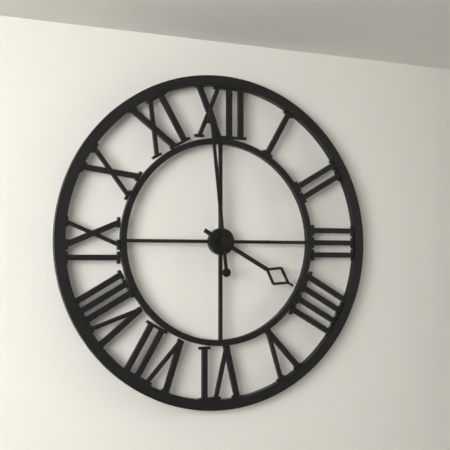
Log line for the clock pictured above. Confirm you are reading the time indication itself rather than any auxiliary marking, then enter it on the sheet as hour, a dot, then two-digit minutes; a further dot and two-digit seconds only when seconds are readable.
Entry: 3.59
